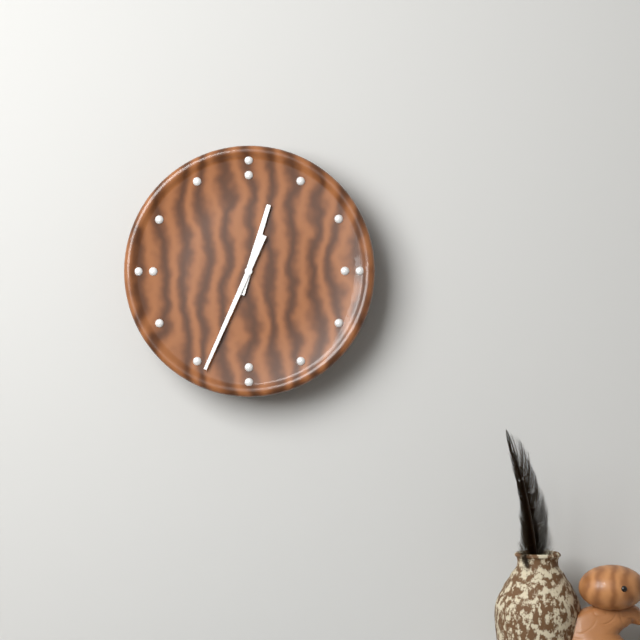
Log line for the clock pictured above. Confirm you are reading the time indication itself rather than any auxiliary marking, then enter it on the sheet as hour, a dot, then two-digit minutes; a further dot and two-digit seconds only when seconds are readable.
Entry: 12.34
